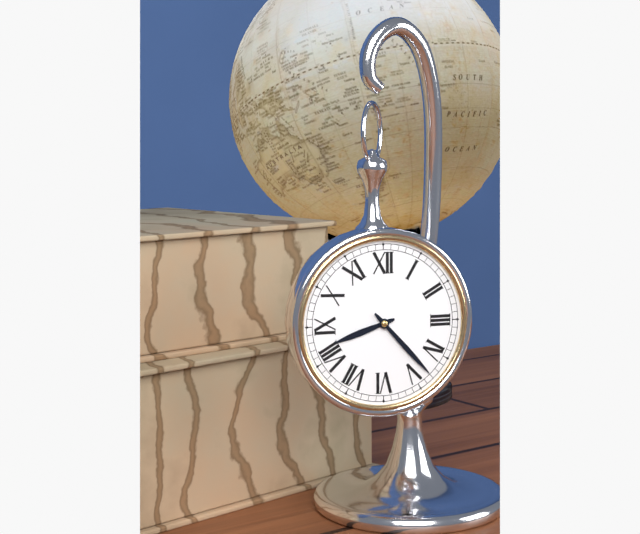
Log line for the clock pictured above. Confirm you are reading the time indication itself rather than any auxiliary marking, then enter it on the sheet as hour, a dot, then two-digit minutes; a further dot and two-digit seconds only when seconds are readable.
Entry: 8.23
